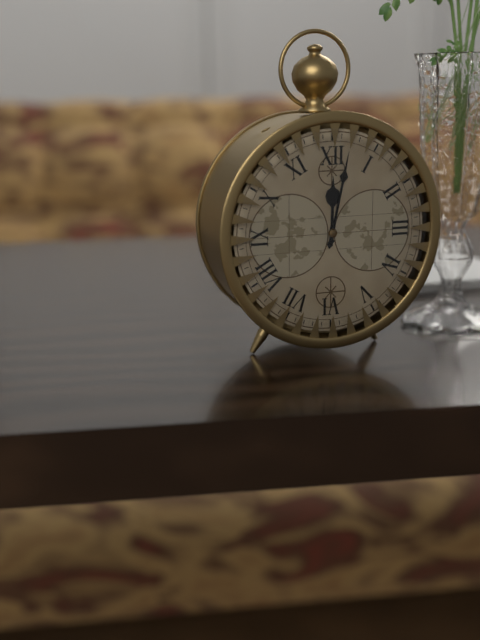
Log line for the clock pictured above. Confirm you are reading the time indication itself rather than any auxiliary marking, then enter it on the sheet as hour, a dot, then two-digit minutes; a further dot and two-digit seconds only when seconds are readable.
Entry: 12.02
